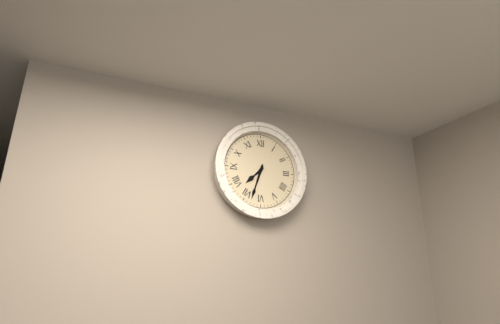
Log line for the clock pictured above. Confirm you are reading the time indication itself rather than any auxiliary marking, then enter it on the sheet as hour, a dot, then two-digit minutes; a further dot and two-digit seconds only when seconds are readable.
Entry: 7.33
